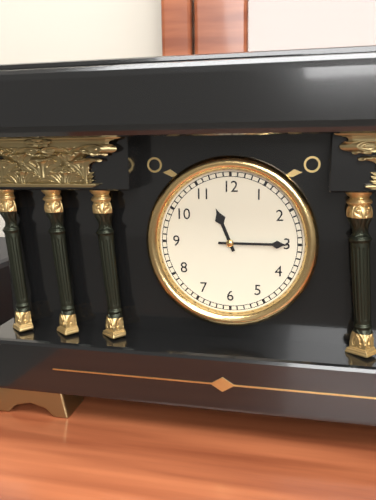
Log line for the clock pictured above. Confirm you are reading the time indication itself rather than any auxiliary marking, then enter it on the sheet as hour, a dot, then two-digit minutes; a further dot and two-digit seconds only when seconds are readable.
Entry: 11.15
